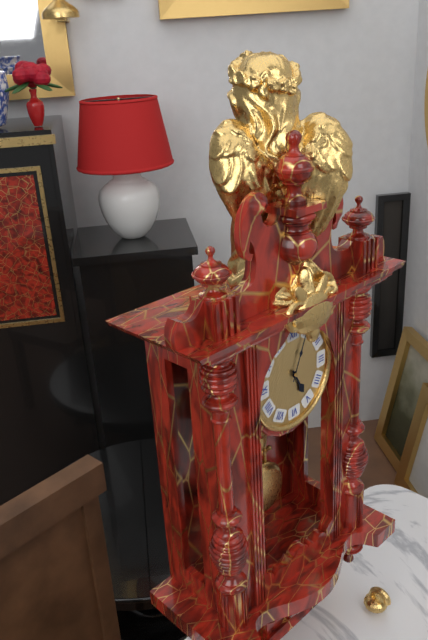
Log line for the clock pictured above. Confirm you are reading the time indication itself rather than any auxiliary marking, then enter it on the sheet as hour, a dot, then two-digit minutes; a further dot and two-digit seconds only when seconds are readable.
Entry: 5.04
